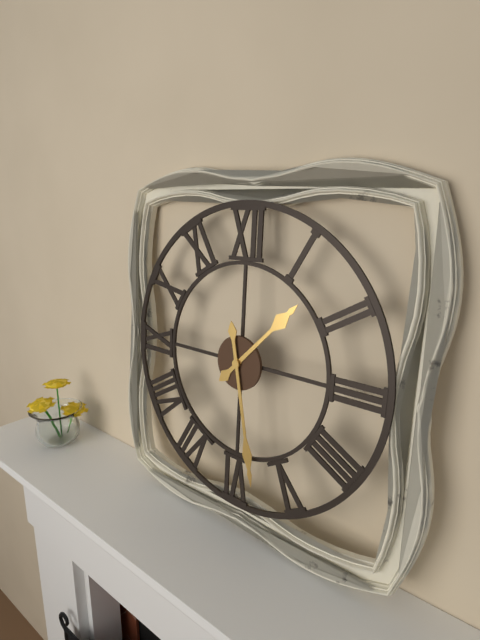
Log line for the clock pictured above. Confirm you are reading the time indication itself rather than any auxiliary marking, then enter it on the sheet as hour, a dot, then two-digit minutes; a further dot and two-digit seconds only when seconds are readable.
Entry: 1.28
